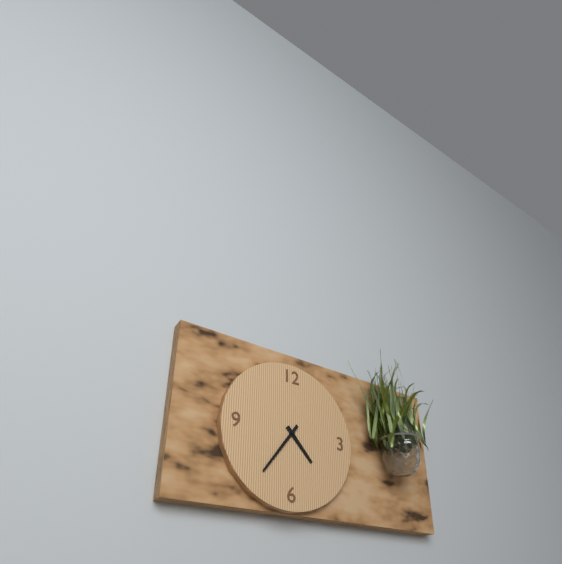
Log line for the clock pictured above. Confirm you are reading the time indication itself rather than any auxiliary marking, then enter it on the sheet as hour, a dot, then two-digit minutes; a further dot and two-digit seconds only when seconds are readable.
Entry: 4.36
